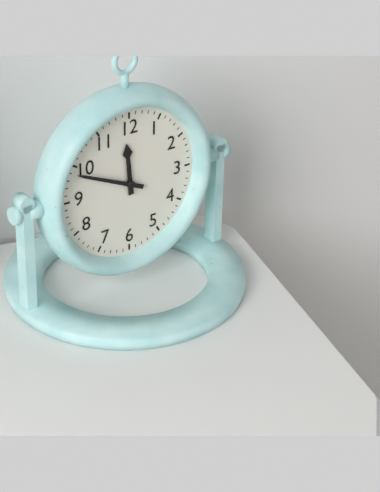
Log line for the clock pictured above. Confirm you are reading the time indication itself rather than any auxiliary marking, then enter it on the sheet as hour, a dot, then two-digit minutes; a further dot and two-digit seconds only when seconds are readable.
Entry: 11.49
